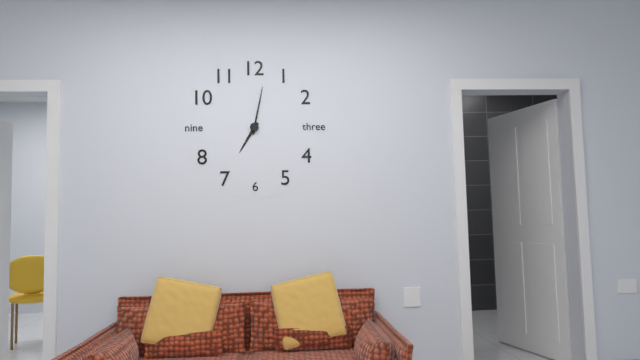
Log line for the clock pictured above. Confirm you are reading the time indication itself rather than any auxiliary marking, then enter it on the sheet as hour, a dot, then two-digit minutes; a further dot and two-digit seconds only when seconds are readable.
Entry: 7.02
